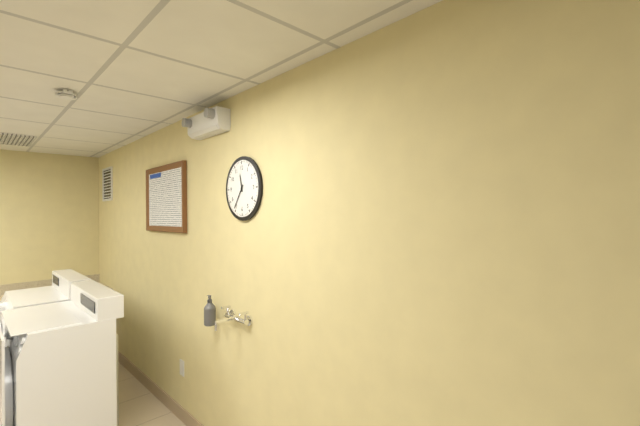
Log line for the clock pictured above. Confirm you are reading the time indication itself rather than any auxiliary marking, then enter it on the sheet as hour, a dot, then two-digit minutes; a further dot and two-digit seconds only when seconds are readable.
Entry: 11.36
